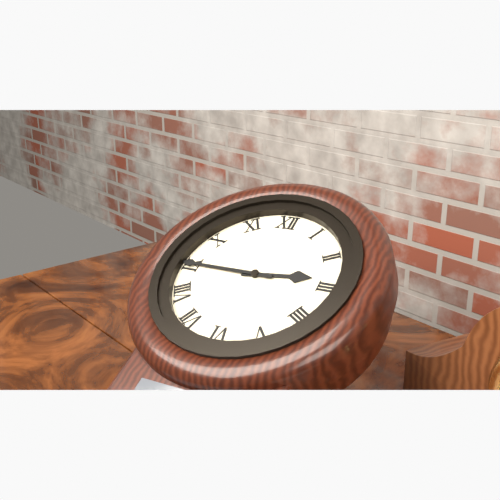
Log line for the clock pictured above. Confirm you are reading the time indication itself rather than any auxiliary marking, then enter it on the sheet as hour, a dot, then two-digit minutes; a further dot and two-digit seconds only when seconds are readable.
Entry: 2.45
